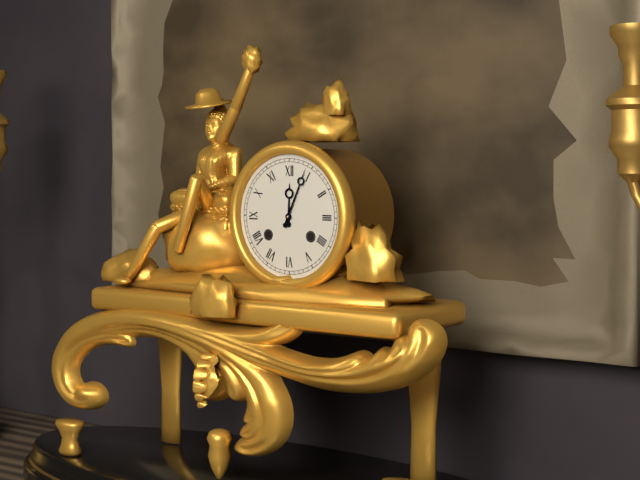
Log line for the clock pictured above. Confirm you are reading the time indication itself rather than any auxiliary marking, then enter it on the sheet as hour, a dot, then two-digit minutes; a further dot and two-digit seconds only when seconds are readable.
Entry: 12.04
